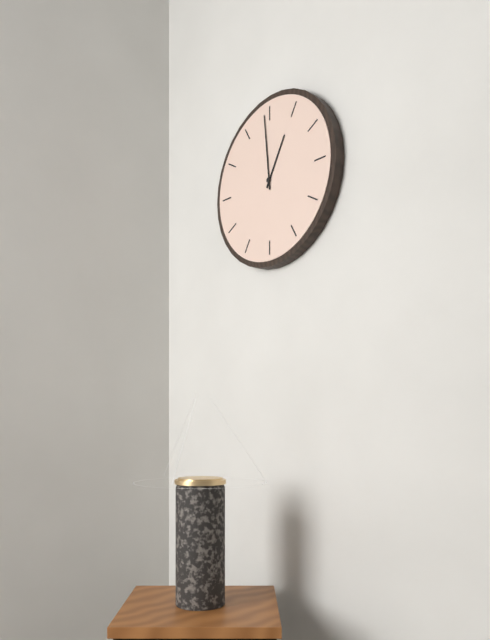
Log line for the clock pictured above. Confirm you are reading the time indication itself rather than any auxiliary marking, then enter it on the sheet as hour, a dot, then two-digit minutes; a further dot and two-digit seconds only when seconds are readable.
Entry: 12.59
